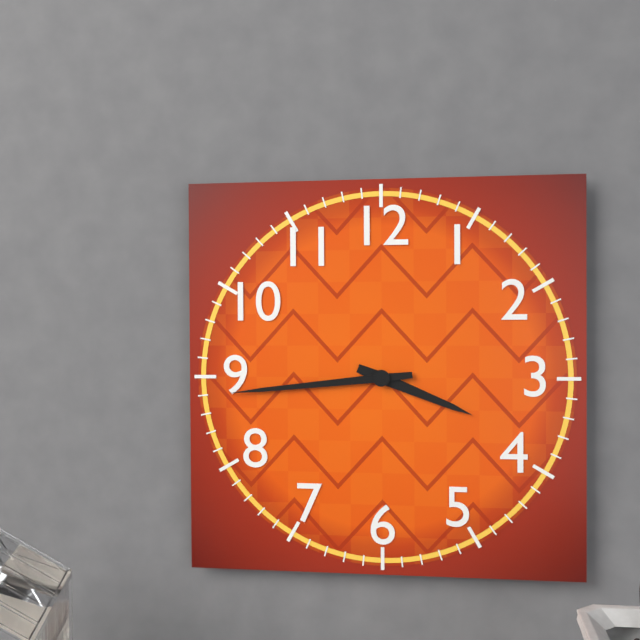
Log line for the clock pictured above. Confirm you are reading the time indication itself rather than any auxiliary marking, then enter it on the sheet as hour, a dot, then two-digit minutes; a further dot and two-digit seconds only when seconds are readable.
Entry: 3.44
